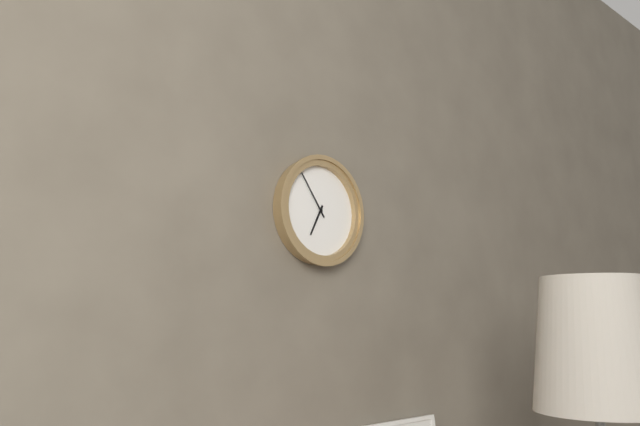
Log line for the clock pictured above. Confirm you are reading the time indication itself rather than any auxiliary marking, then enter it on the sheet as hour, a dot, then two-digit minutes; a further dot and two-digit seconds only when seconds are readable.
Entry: 6.54
